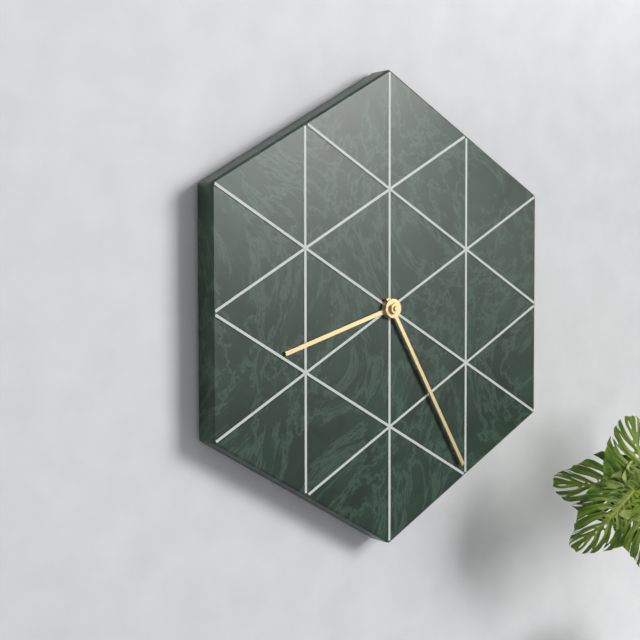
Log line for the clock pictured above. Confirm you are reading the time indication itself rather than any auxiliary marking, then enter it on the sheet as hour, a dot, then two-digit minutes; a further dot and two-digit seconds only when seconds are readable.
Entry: 8.25
